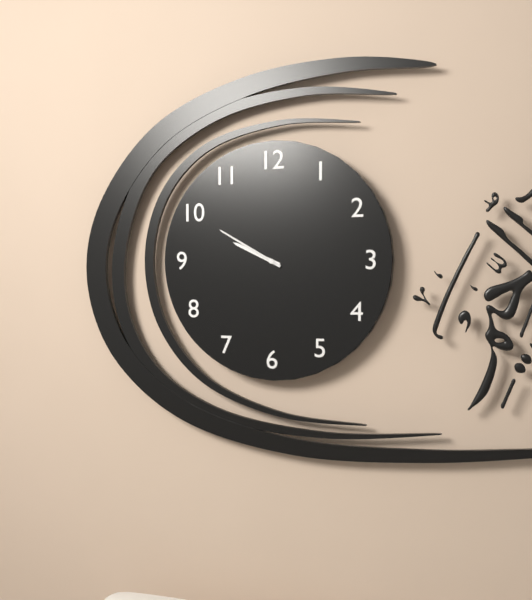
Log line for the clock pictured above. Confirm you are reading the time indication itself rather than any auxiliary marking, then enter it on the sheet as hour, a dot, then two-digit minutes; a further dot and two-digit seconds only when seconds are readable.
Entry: 9.50
